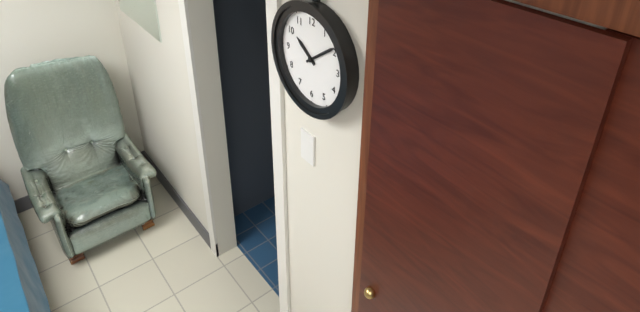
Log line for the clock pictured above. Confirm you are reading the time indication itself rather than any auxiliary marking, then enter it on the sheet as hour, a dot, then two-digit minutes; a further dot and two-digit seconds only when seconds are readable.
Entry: 10.09
